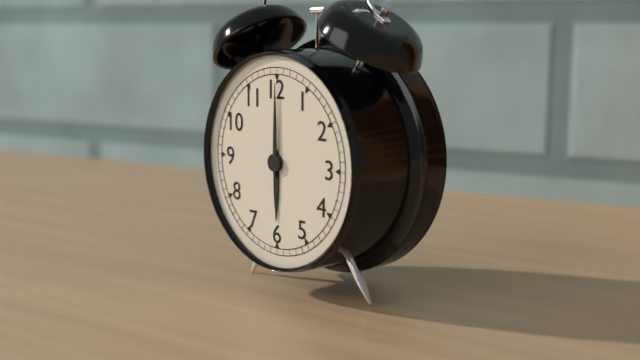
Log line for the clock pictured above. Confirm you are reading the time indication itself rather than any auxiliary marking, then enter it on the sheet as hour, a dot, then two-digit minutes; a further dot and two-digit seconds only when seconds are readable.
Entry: 6.00
